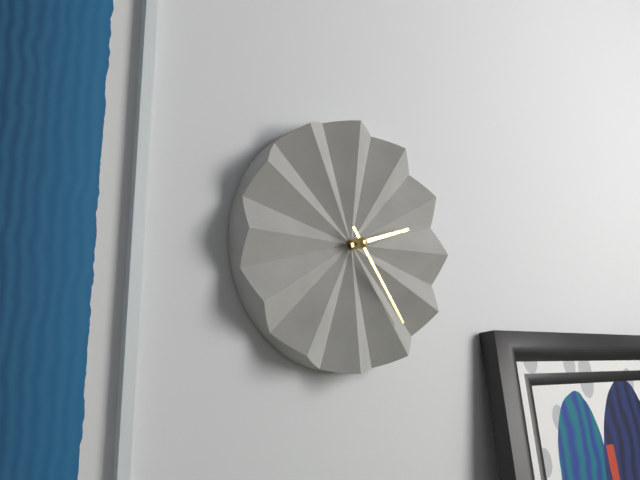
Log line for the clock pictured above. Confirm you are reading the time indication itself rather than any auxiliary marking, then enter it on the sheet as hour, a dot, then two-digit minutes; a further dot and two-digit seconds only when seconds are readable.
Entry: 2.24
